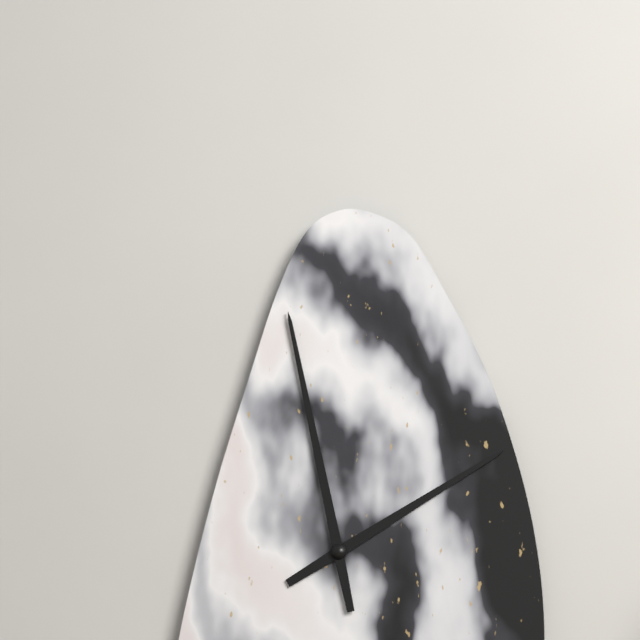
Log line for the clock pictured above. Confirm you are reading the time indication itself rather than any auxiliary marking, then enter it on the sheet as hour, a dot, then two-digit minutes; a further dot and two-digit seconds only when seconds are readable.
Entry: 1.58
